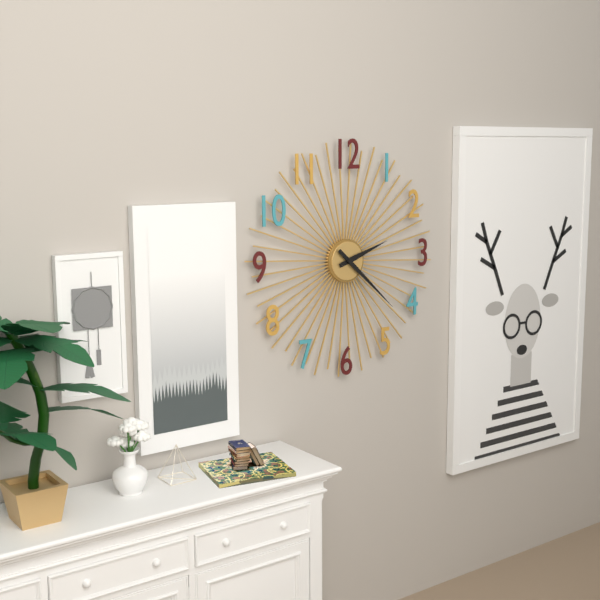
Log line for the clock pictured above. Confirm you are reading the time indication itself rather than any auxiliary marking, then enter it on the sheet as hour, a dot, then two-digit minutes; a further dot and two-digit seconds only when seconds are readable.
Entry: 2.22
